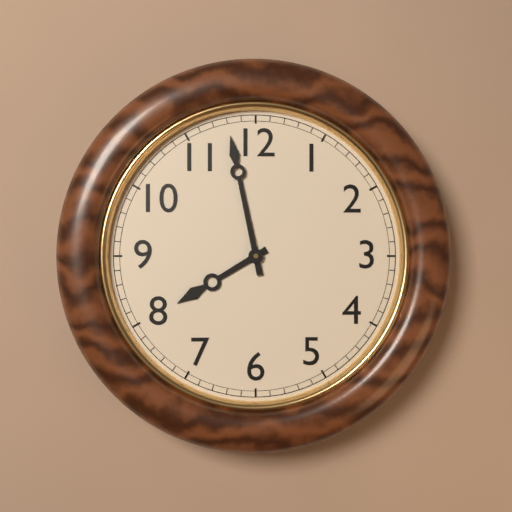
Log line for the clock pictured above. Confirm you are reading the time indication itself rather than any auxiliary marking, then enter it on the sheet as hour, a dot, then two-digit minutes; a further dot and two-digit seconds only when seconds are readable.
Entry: 7.58
